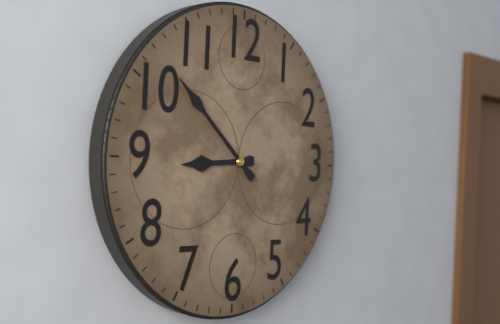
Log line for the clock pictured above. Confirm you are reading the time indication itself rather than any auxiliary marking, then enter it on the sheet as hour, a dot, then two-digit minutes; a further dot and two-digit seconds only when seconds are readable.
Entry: 8.52
